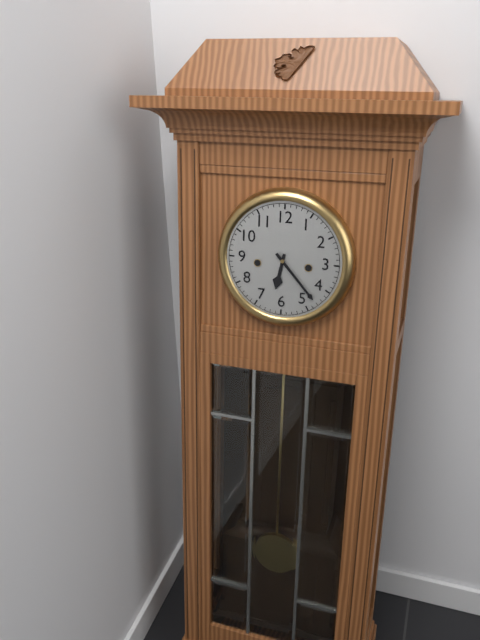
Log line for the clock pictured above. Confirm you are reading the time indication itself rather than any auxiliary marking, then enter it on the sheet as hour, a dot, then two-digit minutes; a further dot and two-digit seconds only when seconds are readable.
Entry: 6.23
